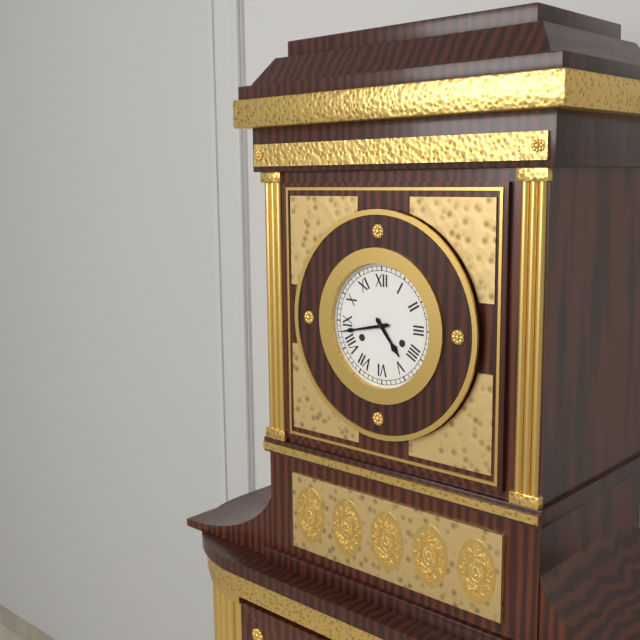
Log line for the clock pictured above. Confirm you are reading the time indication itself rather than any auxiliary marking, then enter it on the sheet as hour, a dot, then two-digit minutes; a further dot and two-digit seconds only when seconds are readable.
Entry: 4.43
